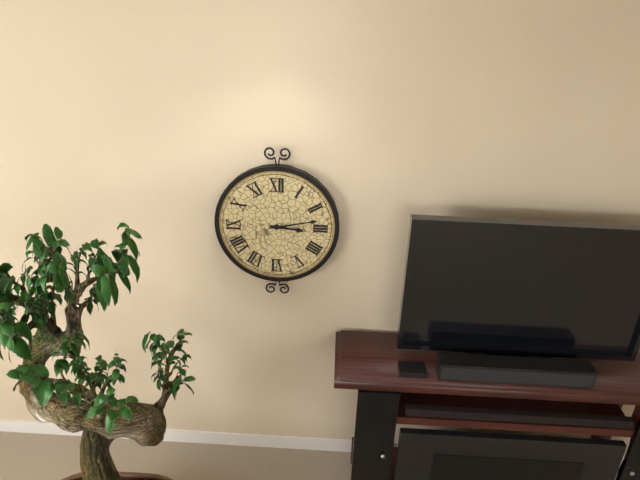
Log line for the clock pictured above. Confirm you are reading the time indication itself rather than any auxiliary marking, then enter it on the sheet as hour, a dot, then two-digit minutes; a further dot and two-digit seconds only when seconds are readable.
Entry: 3.13
